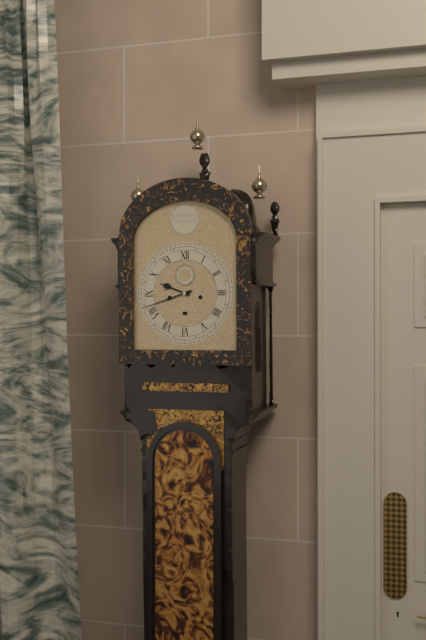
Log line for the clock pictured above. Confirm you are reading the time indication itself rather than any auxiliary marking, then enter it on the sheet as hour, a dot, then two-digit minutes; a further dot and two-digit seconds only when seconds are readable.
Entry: 9.42
